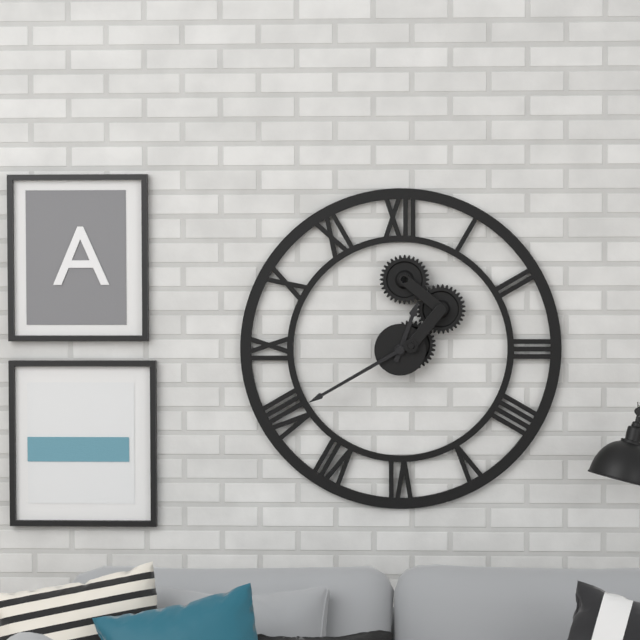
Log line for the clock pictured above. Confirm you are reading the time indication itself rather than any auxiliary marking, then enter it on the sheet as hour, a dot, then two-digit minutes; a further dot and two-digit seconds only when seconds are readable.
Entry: 12.40
